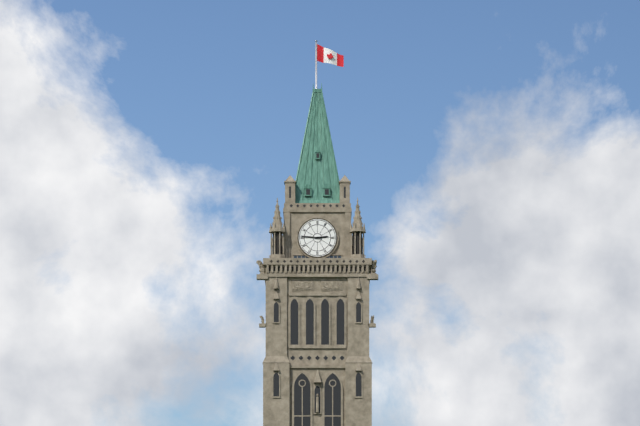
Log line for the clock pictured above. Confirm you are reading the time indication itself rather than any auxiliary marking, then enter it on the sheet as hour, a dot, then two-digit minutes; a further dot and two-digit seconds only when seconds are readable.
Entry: 2.46
